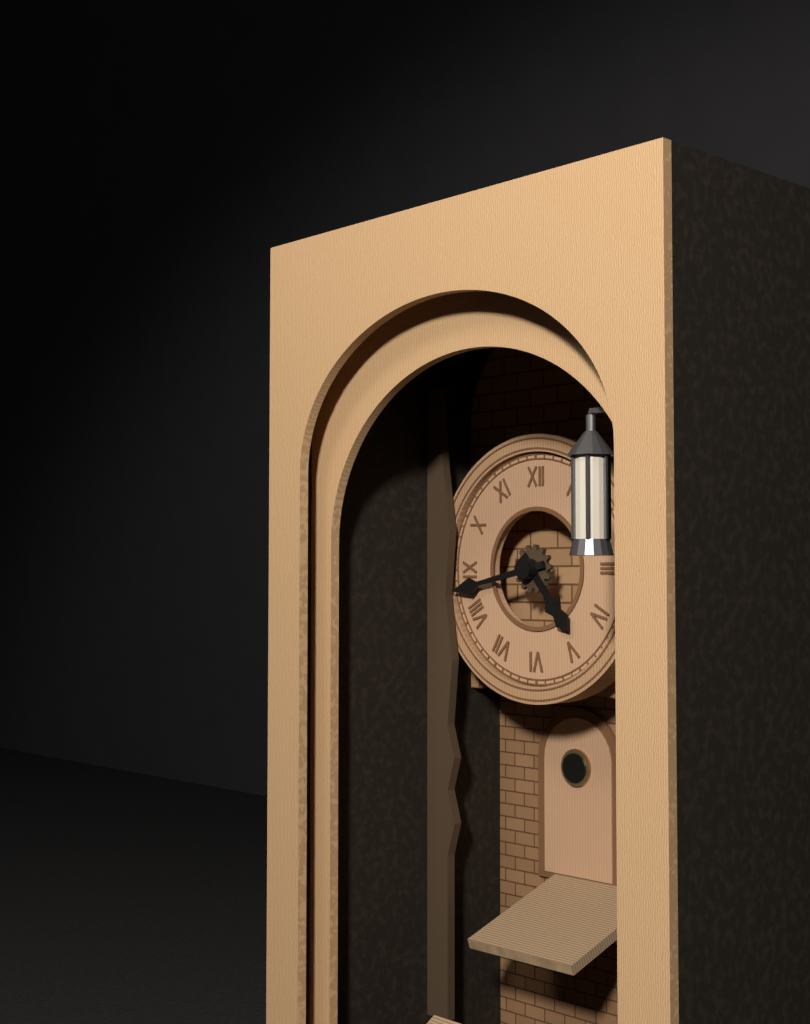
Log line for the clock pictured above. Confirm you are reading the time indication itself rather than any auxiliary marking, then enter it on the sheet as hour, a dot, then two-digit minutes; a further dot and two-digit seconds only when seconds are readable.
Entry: 4.43
